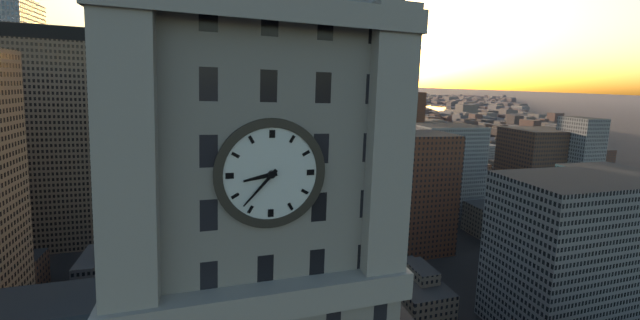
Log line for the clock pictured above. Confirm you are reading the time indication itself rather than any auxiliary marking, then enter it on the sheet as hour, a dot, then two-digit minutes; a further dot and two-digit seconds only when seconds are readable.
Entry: 8.37
